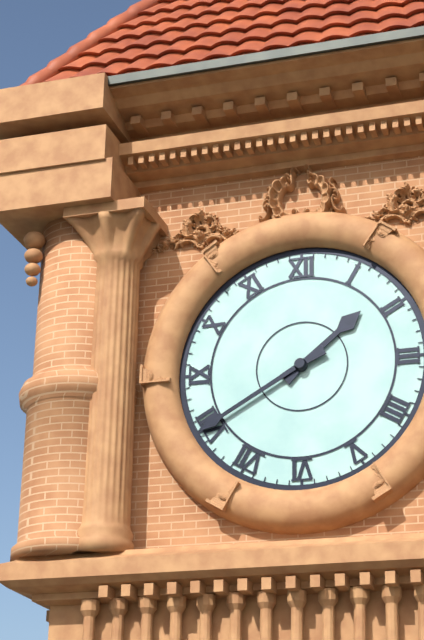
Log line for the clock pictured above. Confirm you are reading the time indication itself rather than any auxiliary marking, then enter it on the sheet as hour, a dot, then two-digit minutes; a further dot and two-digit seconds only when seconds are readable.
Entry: 1.40
